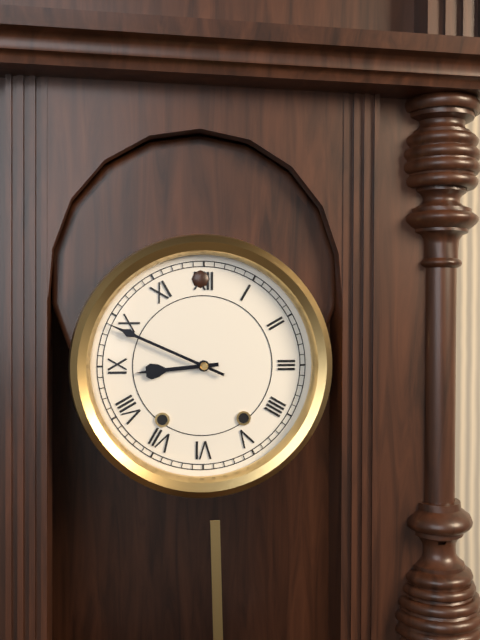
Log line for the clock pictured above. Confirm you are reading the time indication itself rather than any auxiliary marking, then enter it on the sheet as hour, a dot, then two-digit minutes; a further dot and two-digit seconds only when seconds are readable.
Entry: 8.49
